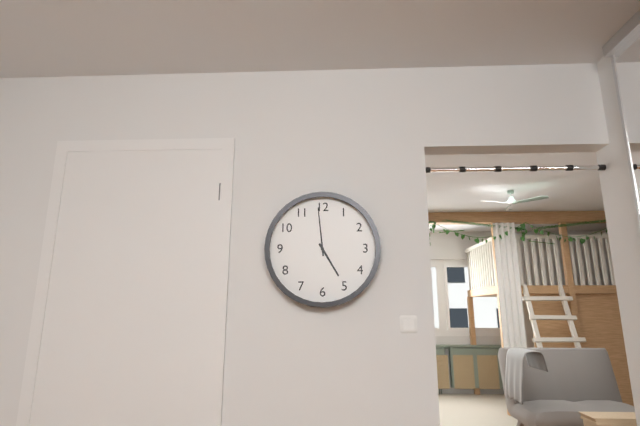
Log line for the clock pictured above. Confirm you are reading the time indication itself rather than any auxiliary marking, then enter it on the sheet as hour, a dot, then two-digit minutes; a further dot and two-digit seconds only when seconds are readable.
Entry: 4.59
